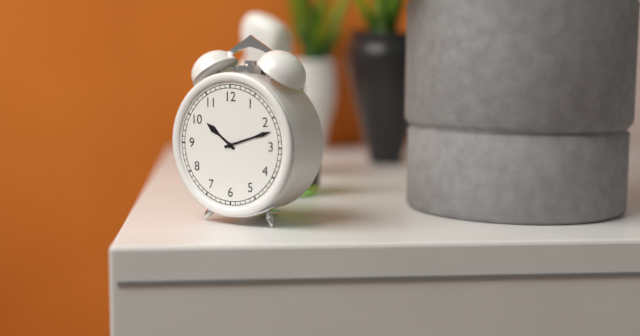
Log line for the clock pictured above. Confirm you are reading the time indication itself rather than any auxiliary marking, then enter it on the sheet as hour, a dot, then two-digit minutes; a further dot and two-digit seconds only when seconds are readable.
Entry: 10.12
